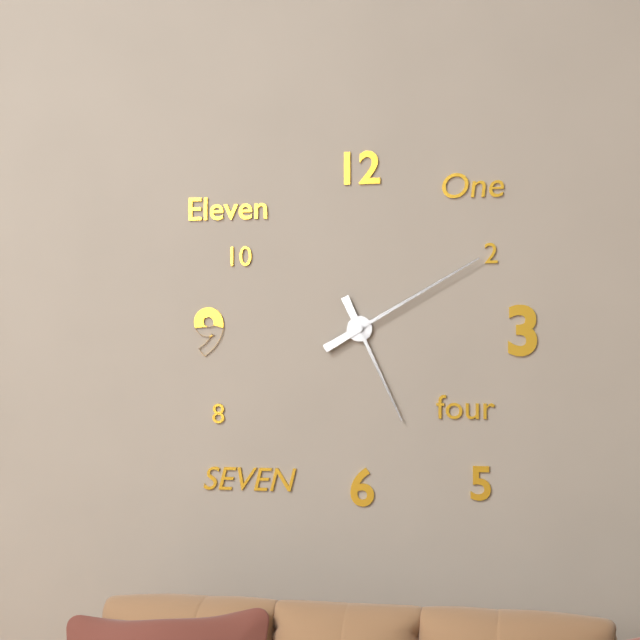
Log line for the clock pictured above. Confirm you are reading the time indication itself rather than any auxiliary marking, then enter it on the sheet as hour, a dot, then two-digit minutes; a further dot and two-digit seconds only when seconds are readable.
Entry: 5.10
